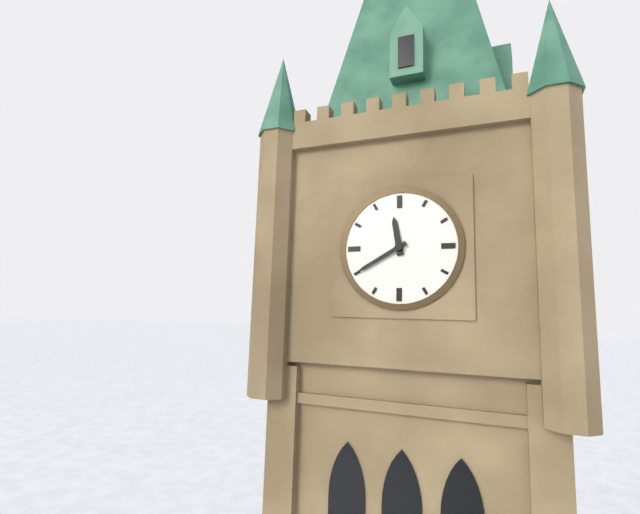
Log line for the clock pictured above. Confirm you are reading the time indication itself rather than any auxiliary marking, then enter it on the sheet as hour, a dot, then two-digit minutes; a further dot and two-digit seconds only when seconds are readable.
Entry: 11.40
